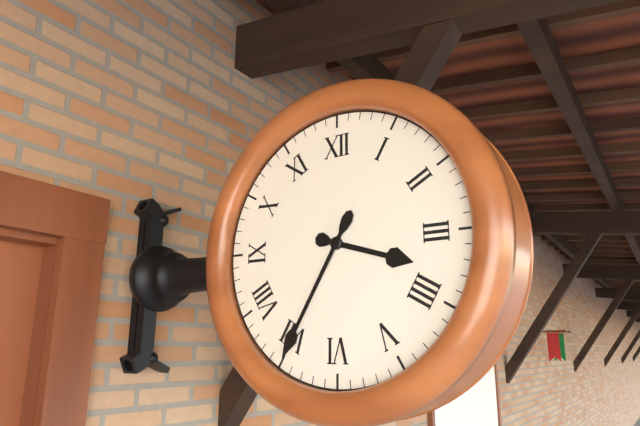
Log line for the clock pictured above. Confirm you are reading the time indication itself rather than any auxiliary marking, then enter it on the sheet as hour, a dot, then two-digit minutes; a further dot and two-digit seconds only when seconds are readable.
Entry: 3.35
